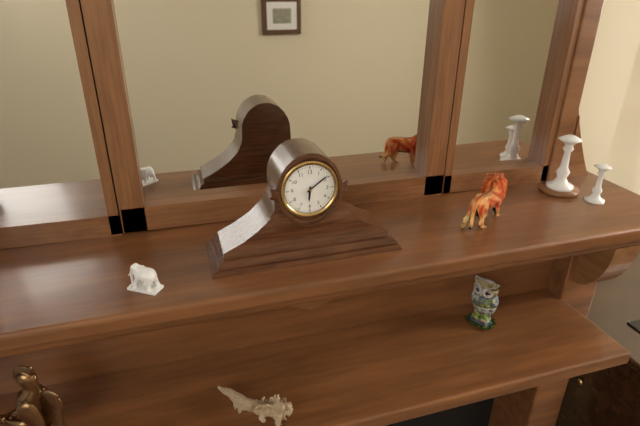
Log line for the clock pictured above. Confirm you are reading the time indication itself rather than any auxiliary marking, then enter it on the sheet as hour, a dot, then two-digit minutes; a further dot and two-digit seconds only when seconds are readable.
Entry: 6.09
